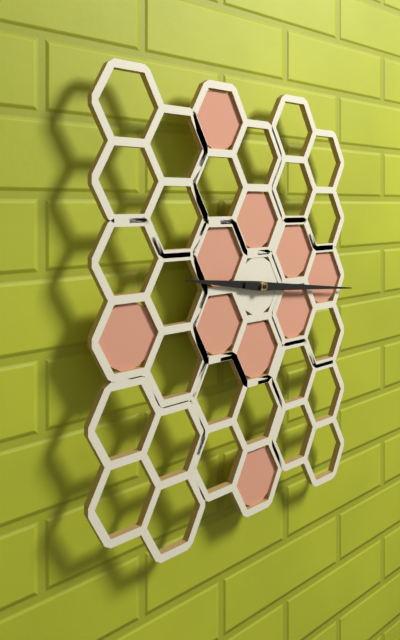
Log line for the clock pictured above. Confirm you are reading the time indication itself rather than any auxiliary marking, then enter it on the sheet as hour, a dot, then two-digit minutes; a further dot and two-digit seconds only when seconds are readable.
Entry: 9.16
